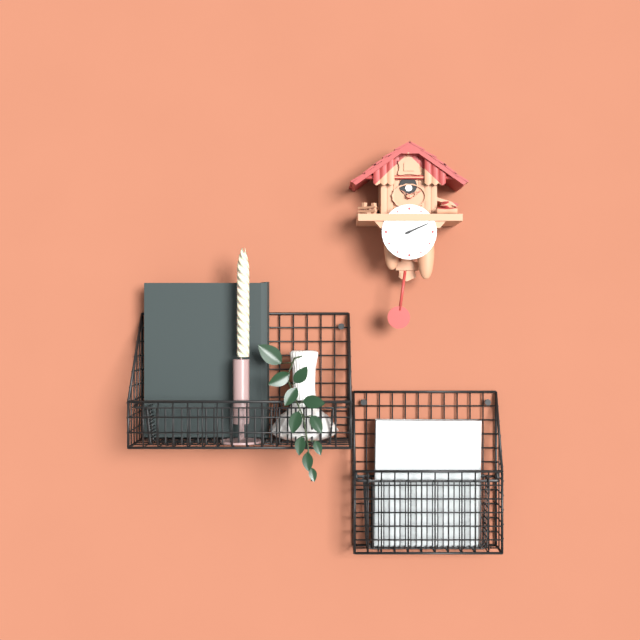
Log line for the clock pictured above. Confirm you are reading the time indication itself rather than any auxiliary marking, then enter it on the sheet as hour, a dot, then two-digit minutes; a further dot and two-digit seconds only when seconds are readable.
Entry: 2.11
